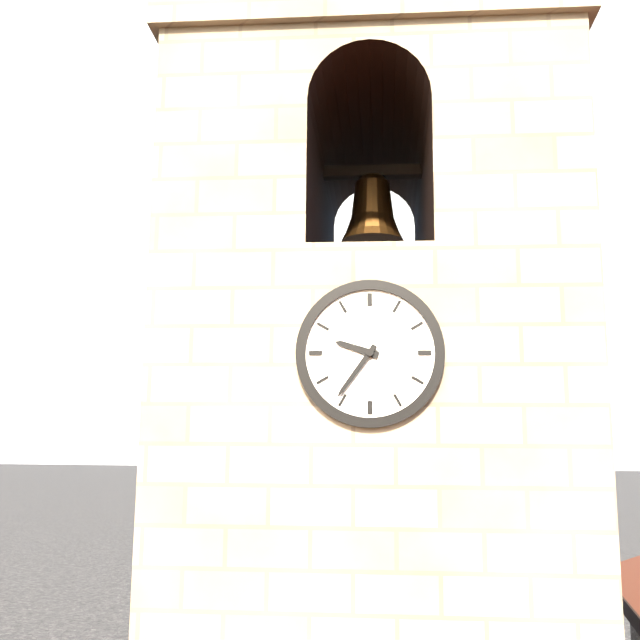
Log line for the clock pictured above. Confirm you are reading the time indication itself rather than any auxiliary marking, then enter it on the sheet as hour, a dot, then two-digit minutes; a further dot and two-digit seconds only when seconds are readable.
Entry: 9.36
